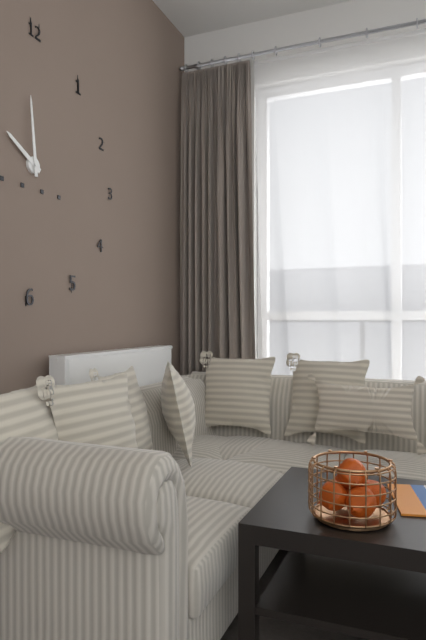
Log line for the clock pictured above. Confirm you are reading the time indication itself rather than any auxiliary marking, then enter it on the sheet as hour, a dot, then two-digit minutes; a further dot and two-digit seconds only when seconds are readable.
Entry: 9.59
